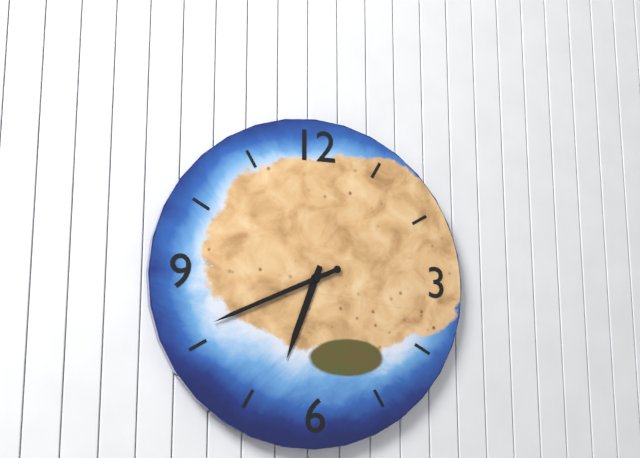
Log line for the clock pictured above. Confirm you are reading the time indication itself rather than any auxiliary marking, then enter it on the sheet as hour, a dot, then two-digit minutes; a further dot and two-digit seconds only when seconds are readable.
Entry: 6.41
